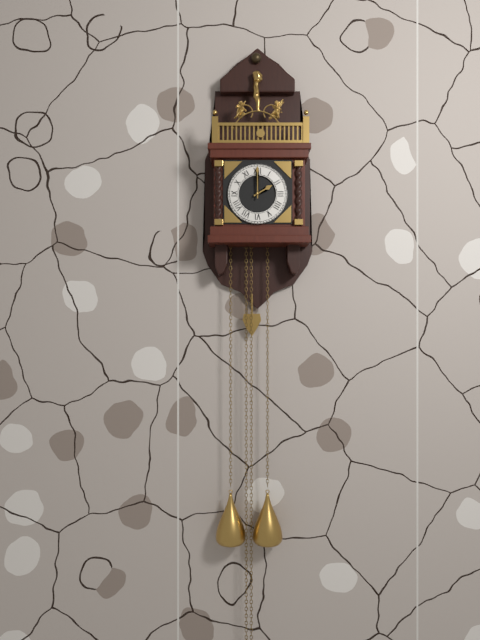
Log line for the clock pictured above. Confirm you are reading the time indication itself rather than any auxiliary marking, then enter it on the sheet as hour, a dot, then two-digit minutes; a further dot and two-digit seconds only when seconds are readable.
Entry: 2.00
